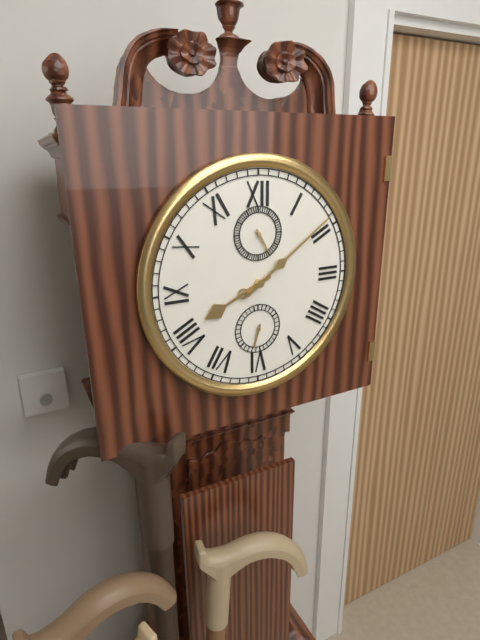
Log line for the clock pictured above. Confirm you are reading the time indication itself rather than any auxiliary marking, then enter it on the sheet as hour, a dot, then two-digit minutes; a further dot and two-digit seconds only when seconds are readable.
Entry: 8.09
